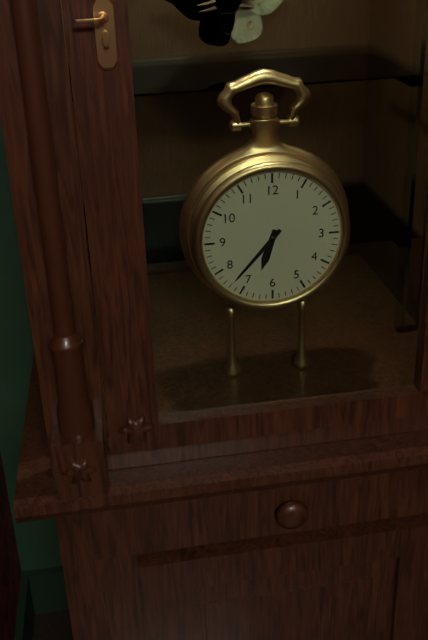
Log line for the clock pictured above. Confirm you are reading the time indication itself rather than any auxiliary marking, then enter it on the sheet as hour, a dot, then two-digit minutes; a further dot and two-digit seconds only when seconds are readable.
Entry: 6.37
